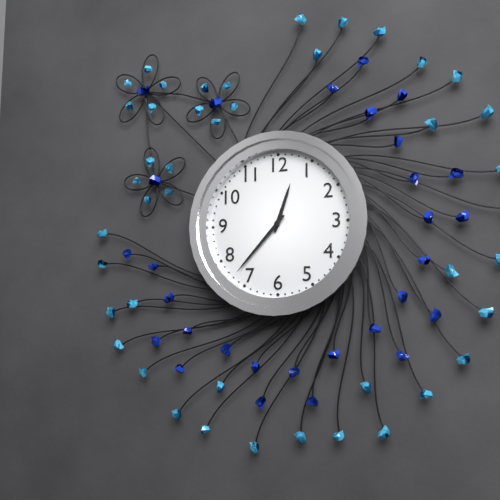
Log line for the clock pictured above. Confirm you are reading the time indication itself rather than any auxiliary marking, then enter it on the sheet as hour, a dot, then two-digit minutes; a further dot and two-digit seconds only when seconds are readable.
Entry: 12.37
